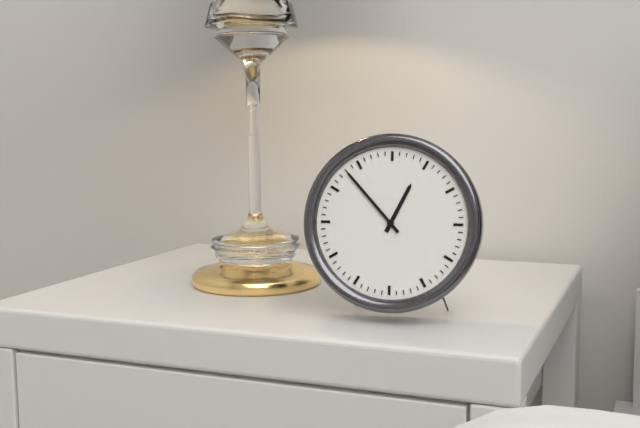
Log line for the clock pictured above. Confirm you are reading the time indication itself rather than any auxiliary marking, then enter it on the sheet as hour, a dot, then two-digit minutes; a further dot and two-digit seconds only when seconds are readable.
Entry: 12.53
